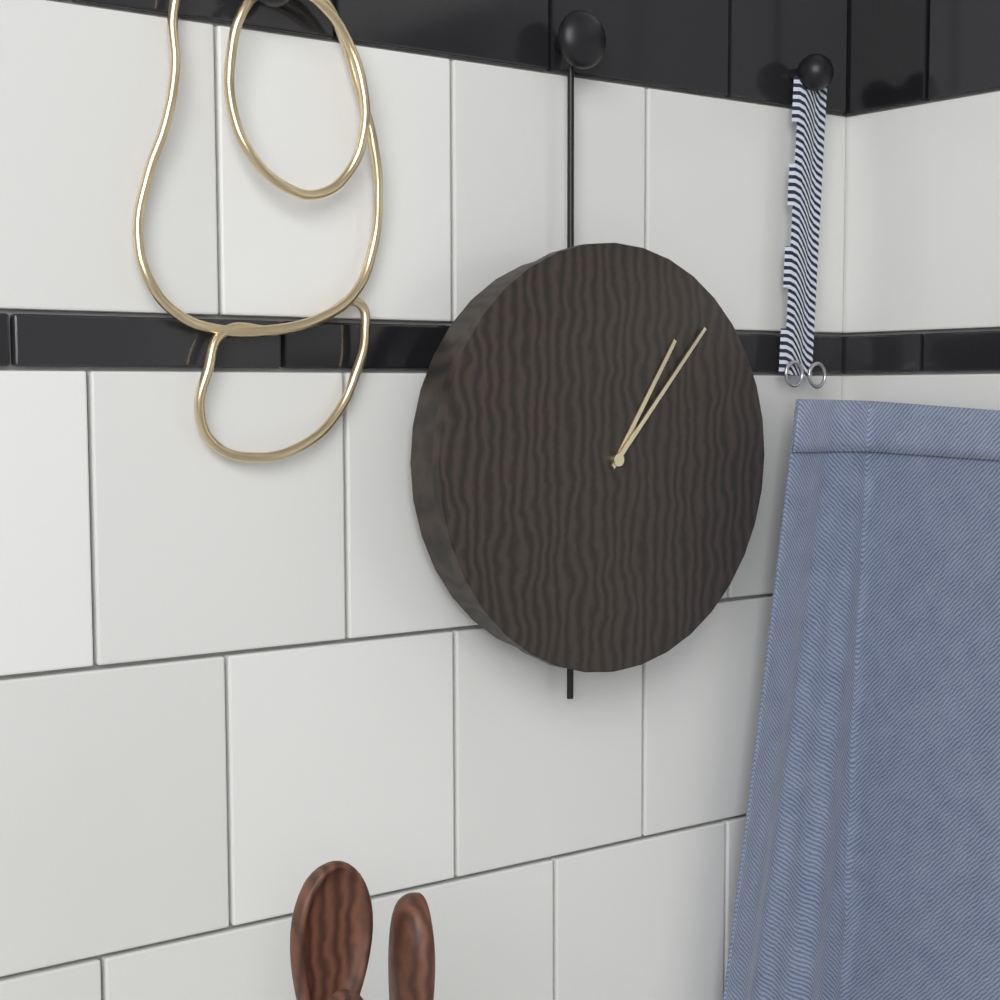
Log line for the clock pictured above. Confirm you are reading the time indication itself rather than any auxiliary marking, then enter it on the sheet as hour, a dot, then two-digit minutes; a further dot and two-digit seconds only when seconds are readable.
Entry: 1.07
